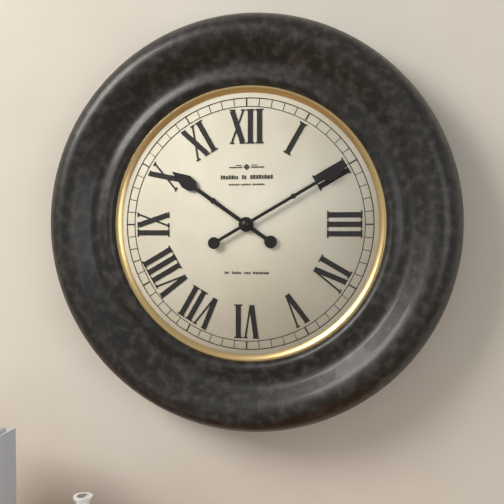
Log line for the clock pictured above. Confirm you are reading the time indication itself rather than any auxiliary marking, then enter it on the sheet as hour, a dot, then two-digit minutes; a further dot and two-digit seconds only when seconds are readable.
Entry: 10.10
